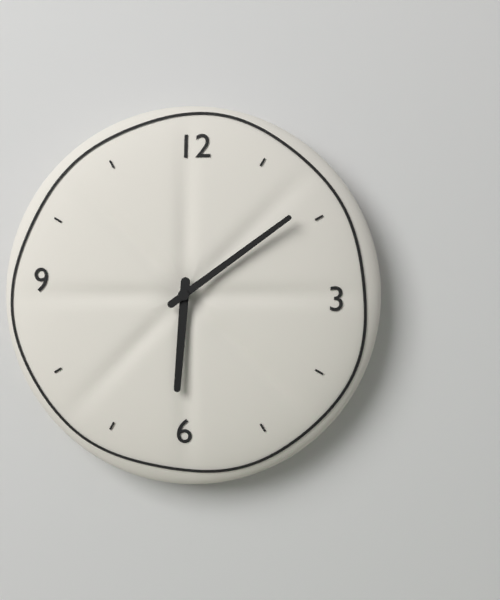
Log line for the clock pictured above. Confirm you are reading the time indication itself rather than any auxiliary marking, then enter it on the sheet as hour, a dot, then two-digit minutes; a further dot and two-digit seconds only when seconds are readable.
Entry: 6.09
